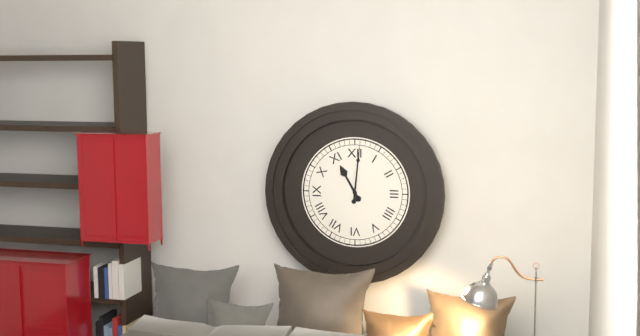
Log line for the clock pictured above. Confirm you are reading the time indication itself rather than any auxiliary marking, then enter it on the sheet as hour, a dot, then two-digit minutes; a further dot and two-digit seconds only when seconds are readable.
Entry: 11.01
